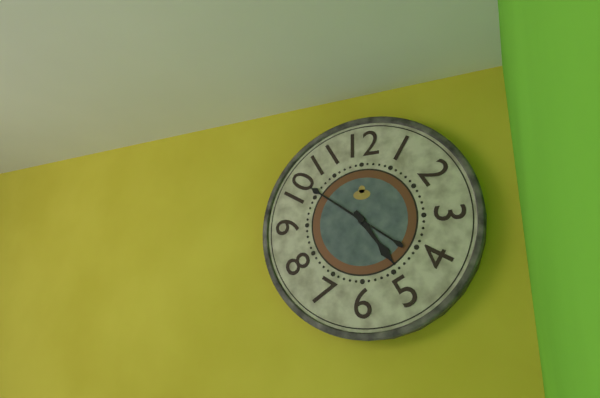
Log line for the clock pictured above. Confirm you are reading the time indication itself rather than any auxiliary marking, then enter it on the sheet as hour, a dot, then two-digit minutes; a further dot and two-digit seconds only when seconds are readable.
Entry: 4.51
